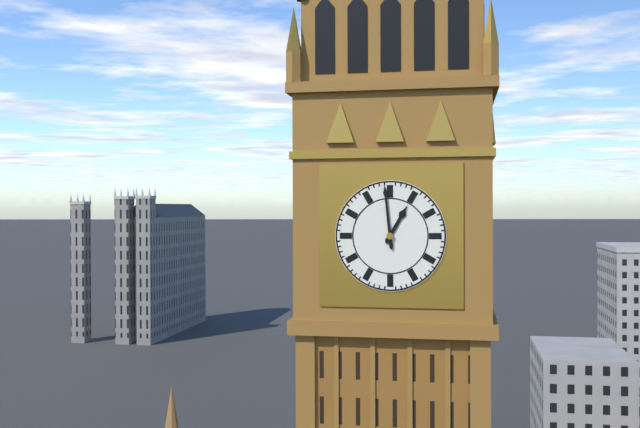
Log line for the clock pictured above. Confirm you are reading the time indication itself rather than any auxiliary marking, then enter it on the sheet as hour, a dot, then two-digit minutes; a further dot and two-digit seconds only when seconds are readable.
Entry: 12.59
